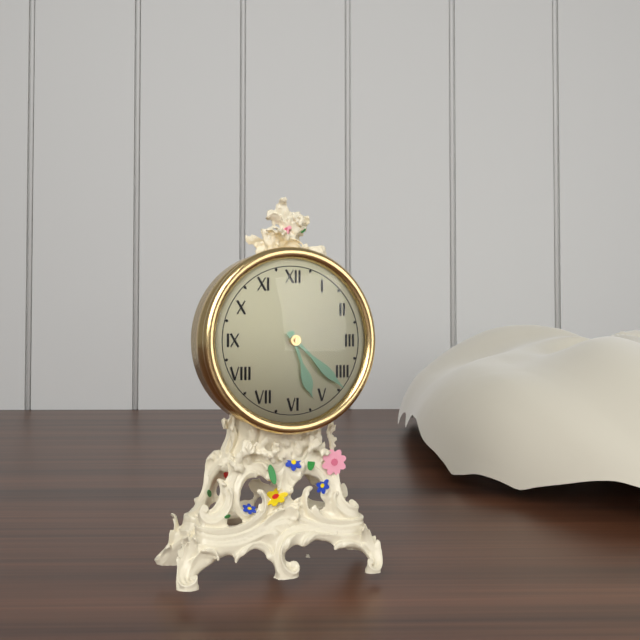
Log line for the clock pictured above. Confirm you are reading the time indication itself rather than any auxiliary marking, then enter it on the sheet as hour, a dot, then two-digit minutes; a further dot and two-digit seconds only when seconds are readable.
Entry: 5.22
